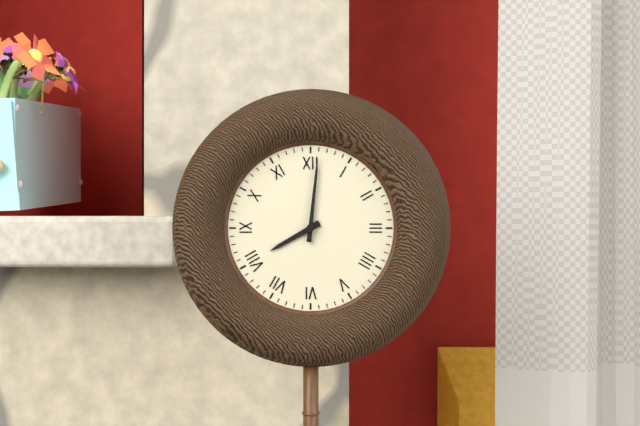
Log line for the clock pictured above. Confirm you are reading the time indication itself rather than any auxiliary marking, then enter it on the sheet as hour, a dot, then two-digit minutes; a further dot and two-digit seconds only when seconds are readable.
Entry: 8.01
